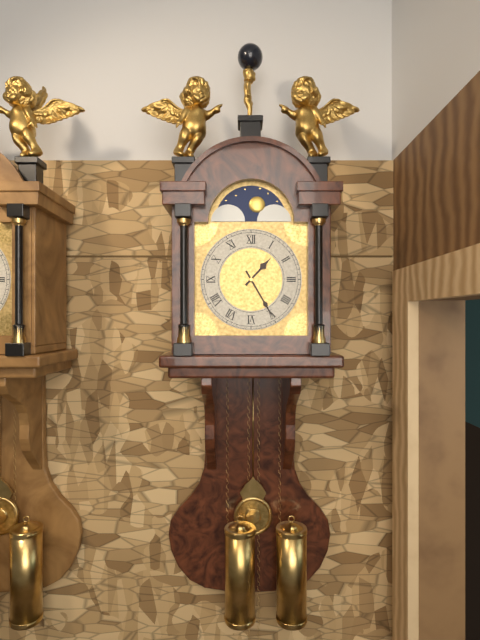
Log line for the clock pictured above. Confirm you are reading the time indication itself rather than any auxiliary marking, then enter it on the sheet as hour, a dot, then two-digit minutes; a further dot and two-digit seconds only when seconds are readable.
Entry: 1.25
